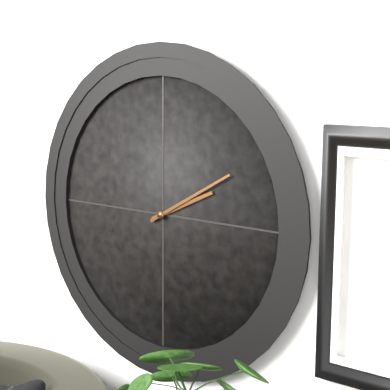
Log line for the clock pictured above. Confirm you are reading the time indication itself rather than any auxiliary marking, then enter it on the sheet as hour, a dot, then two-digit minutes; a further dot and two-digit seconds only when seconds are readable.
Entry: 2.10
